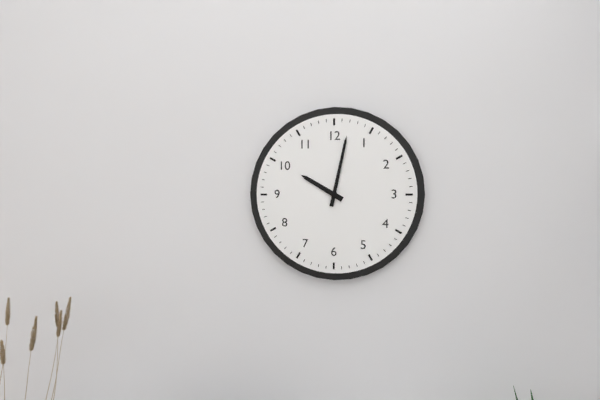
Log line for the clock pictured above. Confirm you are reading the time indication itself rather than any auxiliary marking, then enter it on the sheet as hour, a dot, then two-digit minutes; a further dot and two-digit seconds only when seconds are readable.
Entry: 10.02
